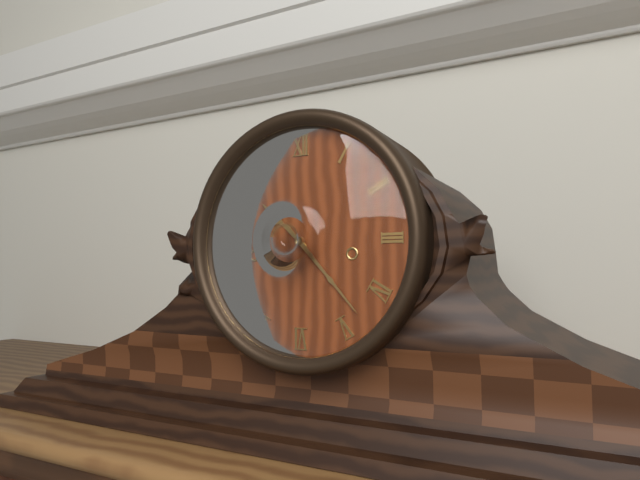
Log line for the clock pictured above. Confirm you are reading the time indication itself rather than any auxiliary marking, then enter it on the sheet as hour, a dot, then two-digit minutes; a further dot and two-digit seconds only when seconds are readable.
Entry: 10.23
